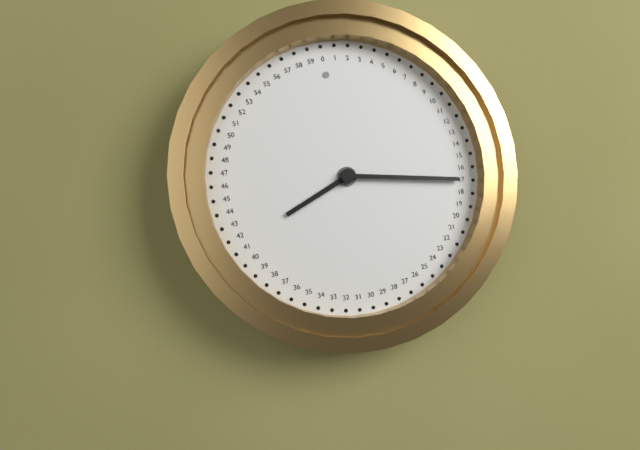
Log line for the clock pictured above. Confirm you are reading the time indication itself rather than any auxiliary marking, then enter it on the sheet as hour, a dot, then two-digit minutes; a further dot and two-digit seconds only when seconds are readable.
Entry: 8.17
